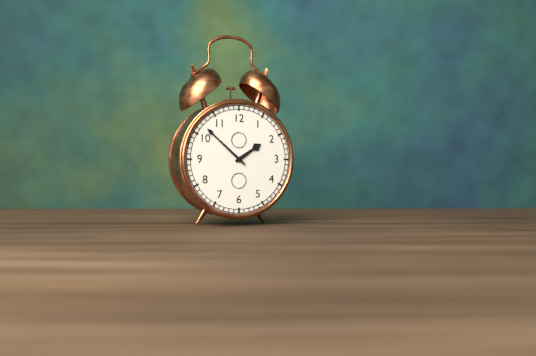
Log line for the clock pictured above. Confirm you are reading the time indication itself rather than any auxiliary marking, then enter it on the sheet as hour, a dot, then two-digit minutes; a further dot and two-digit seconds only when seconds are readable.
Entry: 1.52
